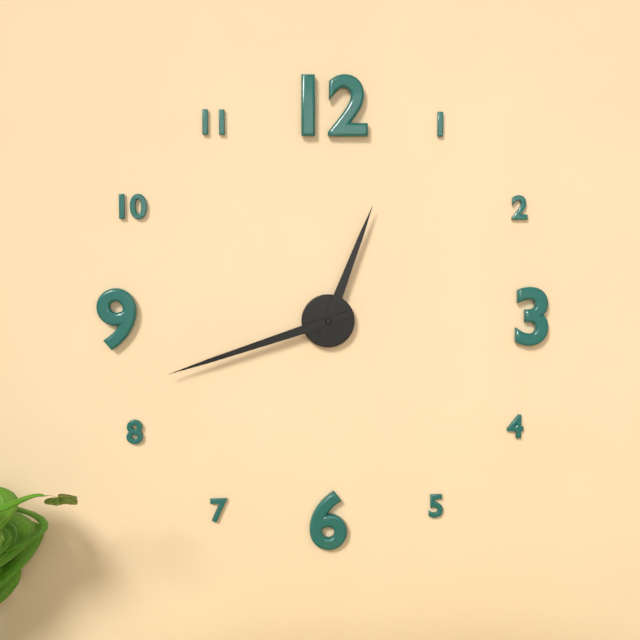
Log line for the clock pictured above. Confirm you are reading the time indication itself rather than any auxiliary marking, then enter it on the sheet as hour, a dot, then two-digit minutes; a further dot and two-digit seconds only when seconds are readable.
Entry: 12.42
